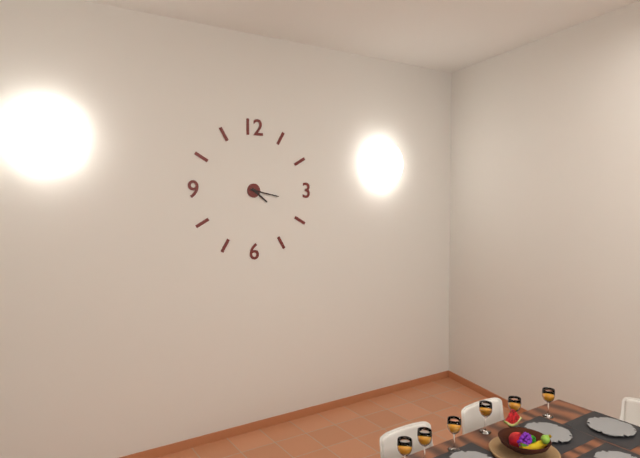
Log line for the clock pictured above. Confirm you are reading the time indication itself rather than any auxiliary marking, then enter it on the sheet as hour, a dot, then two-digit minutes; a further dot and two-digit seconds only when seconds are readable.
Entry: 4.17
